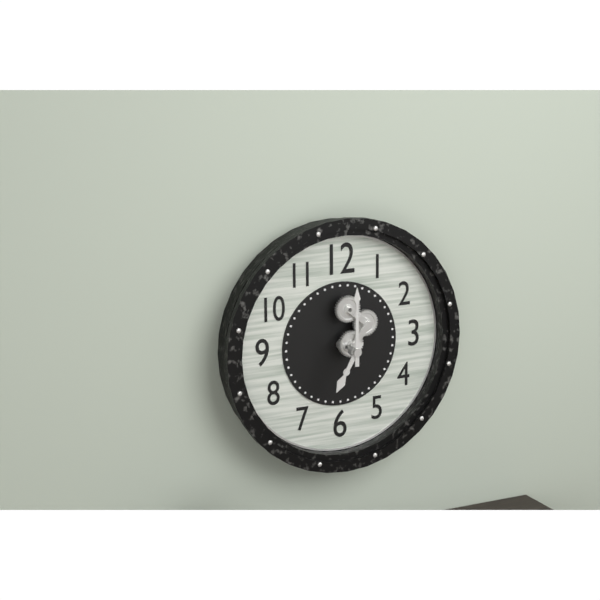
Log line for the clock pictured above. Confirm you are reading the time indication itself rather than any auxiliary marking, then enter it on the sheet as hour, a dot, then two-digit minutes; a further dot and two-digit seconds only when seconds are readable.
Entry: 7.00
